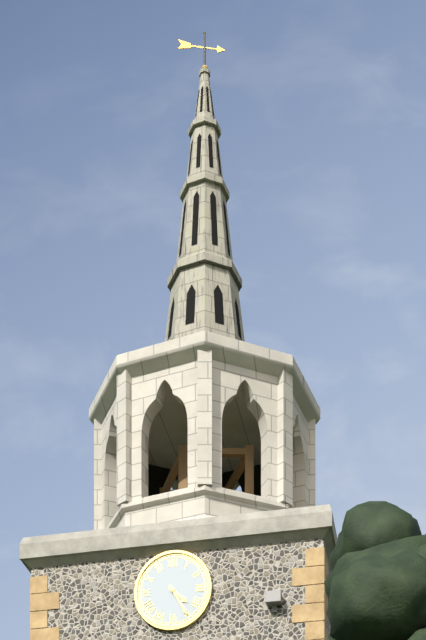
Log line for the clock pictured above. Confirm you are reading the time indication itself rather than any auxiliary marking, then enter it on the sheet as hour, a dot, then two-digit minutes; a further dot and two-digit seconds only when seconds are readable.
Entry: 4.25
